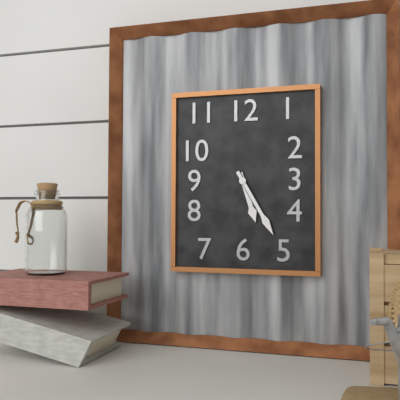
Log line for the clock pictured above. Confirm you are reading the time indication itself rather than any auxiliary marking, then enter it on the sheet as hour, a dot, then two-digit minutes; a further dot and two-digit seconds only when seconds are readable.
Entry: 5.25
